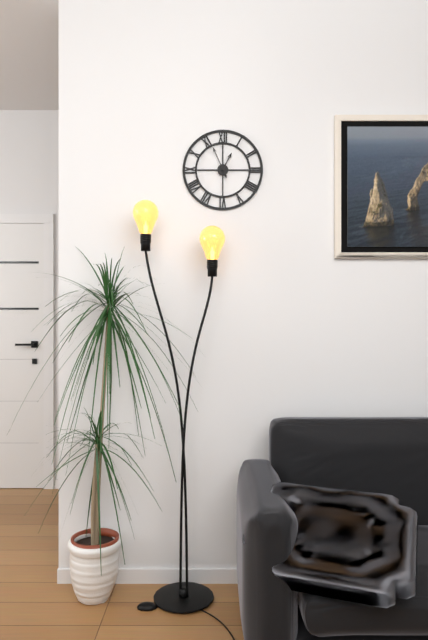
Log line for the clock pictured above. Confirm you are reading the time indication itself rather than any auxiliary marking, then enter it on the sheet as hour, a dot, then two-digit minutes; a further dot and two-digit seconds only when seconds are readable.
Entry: 12.56
